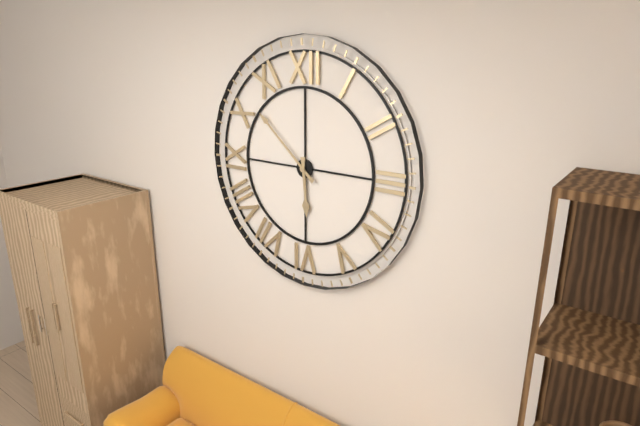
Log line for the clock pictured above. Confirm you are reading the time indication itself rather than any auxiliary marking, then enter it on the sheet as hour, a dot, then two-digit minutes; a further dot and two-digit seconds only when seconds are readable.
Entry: 5.52
